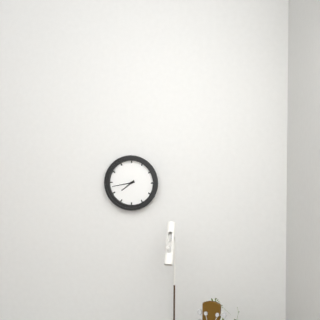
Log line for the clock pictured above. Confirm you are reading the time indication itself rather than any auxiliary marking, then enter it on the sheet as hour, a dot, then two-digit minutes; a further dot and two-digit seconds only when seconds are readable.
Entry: 7.43
